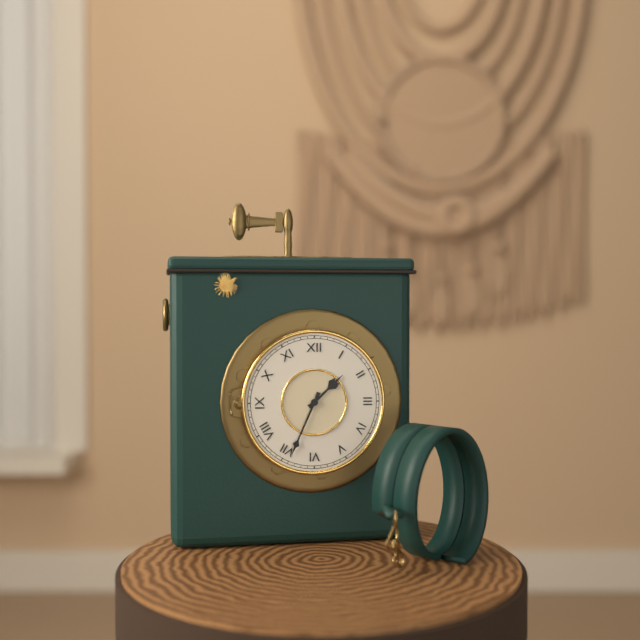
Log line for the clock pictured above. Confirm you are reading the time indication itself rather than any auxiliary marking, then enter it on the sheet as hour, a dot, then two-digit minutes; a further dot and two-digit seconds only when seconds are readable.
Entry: 1.34
